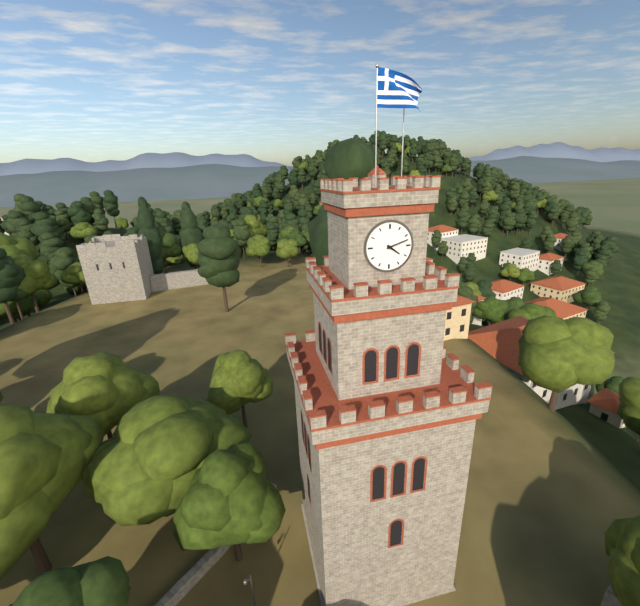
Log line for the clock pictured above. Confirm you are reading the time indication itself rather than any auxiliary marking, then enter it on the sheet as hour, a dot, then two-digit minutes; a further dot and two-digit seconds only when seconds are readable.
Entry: 4.12
